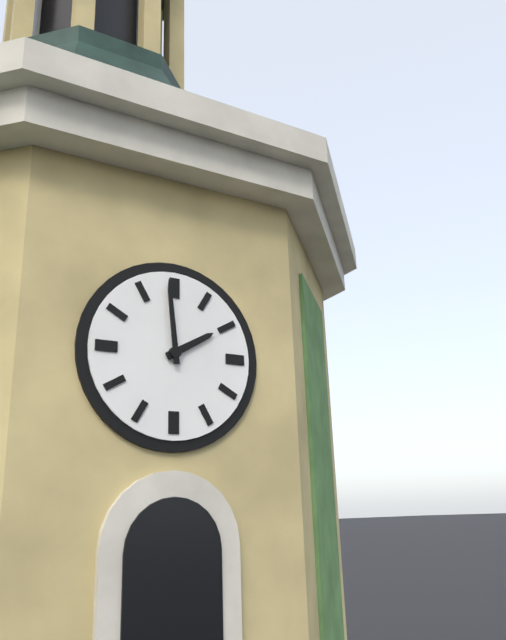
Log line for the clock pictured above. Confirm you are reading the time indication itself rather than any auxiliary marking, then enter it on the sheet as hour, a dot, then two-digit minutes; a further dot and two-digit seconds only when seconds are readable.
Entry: 1.59
